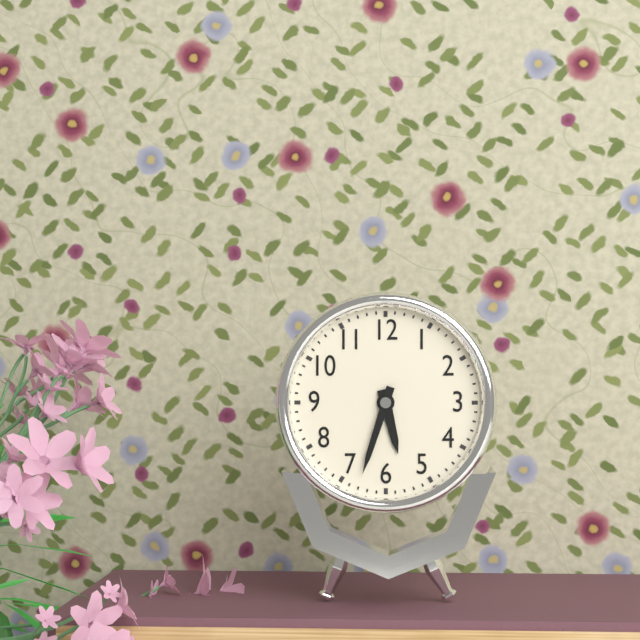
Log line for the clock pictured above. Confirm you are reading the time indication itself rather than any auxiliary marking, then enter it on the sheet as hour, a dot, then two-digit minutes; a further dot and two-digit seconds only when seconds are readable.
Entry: 5.33
